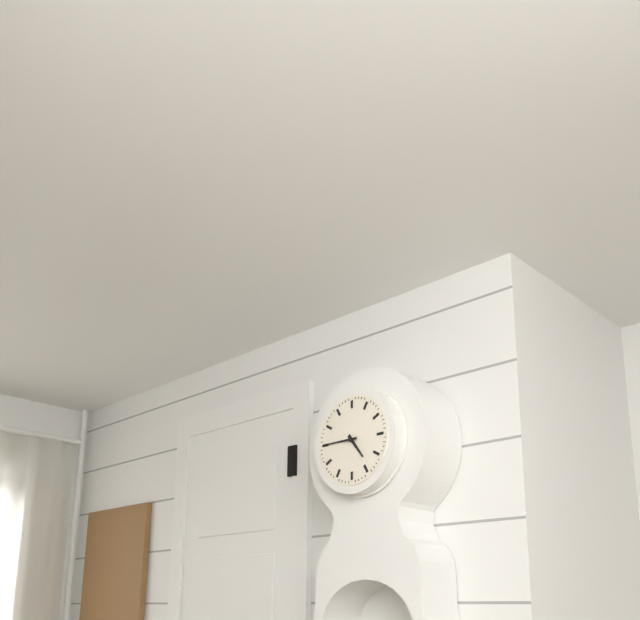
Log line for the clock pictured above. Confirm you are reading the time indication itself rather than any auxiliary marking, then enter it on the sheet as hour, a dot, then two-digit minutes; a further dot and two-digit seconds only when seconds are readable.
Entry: 4.45
